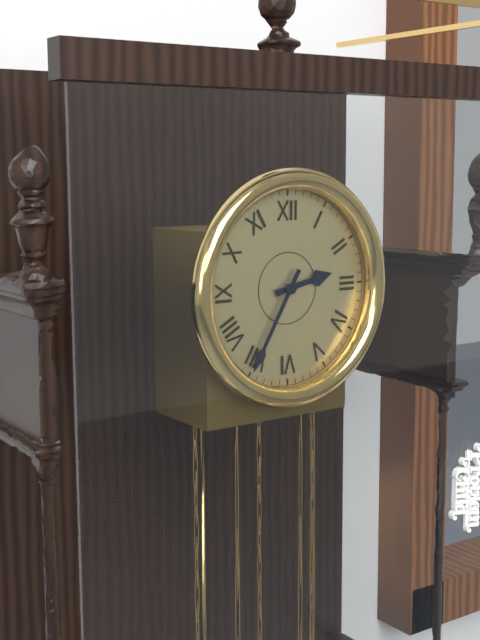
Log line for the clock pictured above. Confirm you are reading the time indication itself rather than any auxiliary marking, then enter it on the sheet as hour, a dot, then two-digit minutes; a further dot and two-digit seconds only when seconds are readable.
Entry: 2.35
